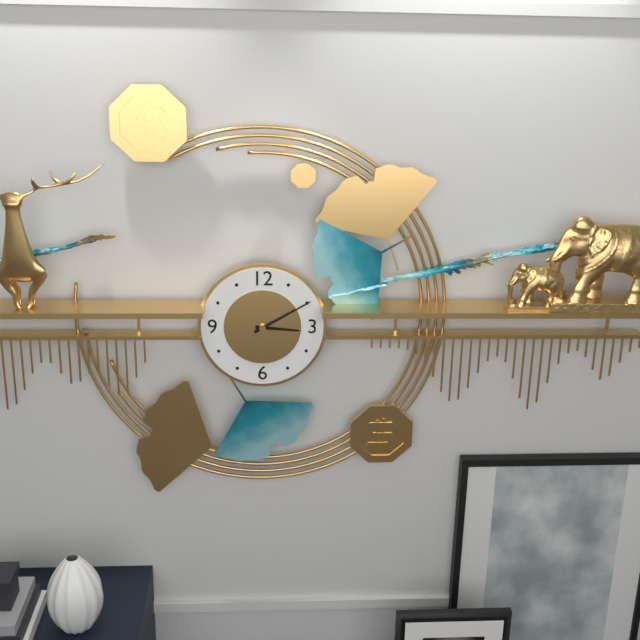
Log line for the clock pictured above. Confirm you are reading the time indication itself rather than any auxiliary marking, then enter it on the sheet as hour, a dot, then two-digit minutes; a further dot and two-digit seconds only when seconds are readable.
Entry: 3.10
